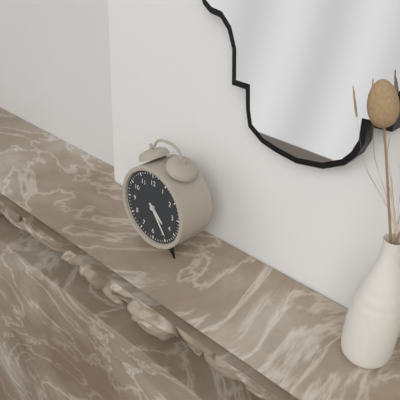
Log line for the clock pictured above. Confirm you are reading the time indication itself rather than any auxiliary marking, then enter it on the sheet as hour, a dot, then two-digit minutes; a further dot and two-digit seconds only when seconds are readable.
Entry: 4.24
